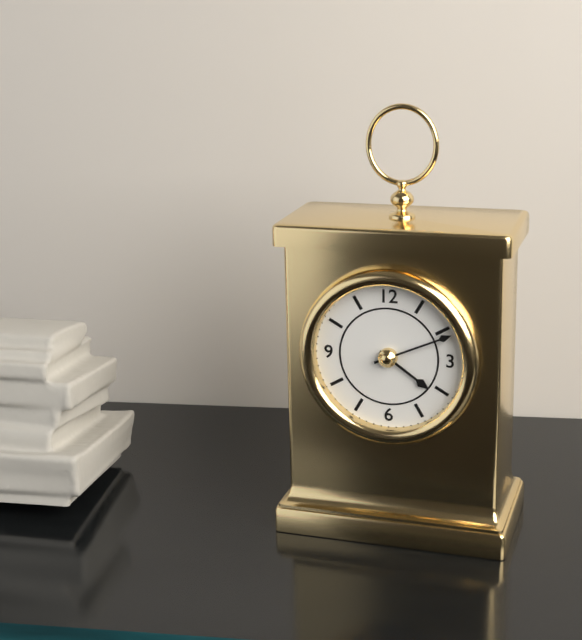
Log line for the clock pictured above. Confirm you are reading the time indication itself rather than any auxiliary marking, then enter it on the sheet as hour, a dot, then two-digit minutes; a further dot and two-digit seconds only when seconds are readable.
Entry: 4.11
